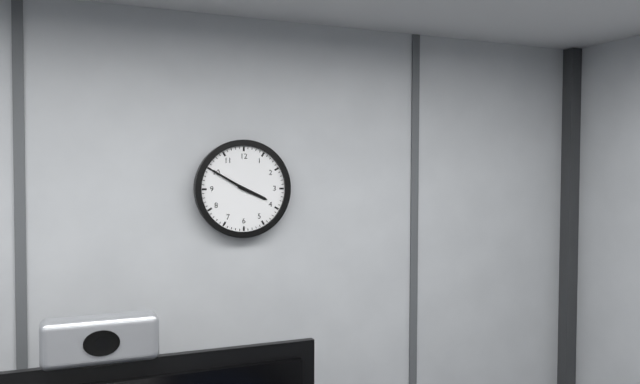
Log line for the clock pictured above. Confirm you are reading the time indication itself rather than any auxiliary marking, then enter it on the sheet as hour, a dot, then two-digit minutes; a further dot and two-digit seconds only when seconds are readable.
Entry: 3.50
